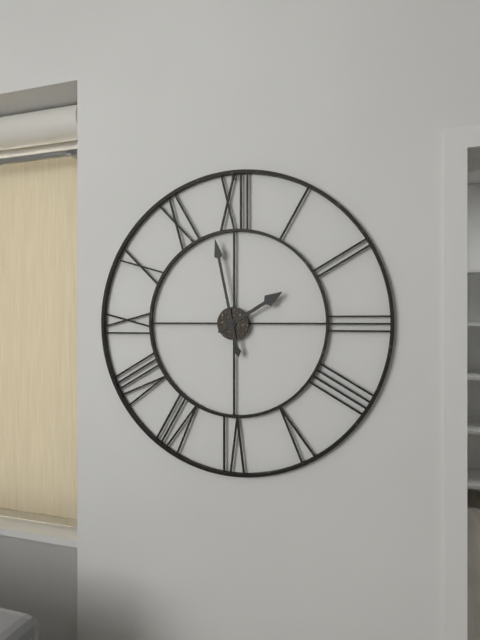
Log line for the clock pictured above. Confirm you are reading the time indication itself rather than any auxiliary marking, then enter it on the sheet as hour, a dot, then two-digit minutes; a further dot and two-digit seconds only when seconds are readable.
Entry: 1.58
